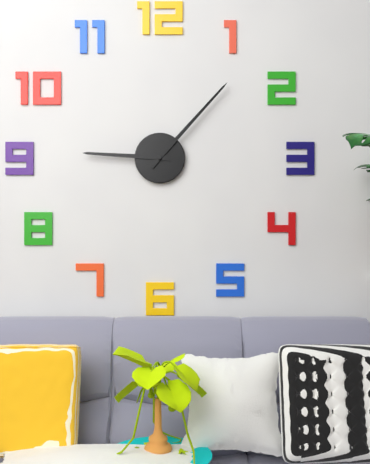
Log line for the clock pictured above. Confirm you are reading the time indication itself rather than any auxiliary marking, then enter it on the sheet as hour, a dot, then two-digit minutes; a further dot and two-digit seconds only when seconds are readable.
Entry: 9.07
